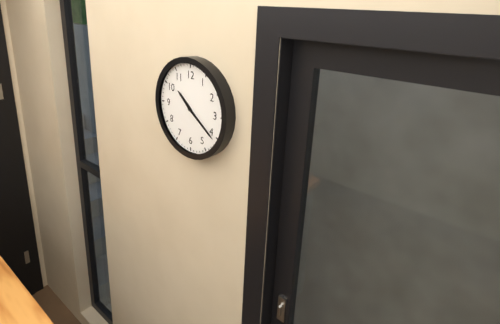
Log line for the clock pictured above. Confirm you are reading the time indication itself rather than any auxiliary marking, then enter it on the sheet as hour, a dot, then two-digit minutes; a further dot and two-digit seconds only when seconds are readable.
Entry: 10.21
